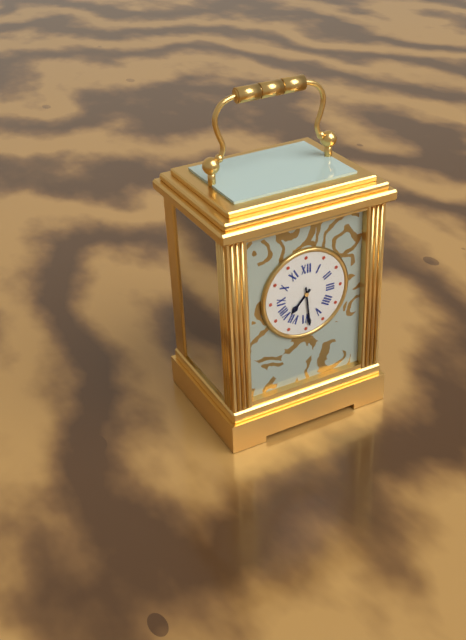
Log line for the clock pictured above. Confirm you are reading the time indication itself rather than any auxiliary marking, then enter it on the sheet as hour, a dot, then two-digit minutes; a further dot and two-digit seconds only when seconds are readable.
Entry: 7.29
